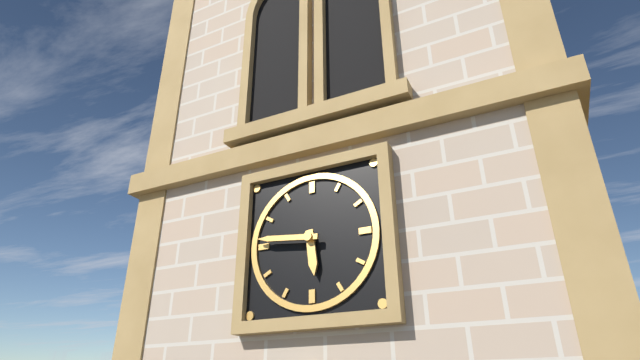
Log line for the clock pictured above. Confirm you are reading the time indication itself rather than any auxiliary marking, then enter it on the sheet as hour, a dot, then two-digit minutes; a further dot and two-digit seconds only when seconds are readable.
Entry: 5.46
